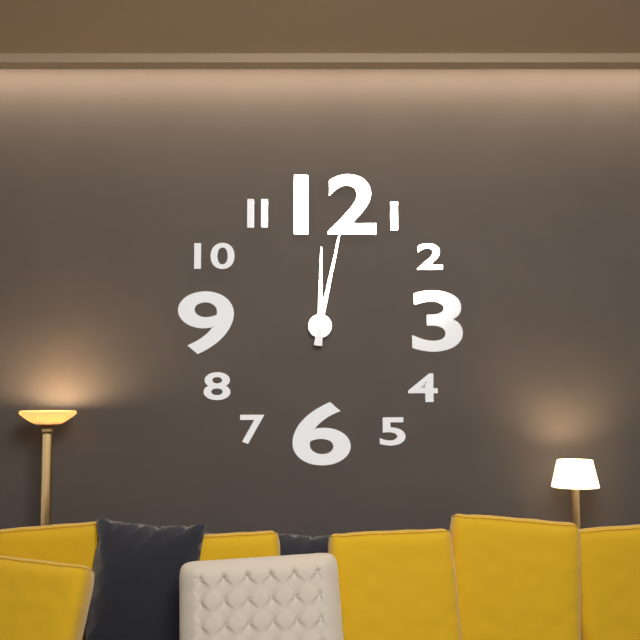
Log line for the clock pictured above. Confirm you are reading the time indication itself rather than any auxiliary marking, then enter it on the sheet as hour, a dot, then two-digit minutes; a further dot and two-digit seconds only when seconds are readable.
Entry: 12.02
